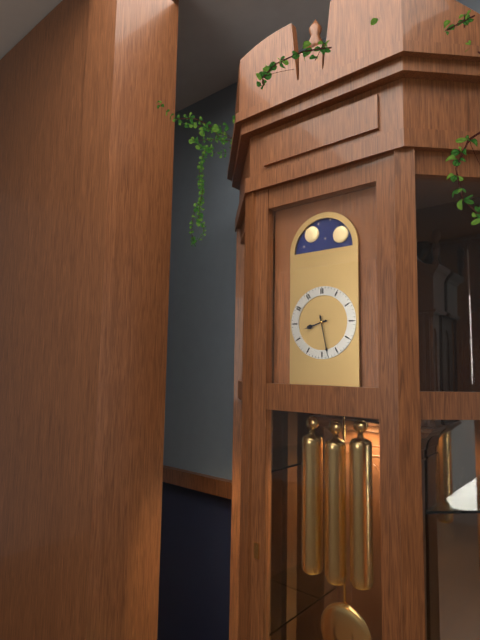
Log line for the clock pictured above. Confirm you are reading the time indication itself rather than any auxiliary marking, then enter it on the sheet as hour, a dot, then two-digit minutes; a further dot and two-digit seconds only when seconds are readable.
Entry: 8.28
